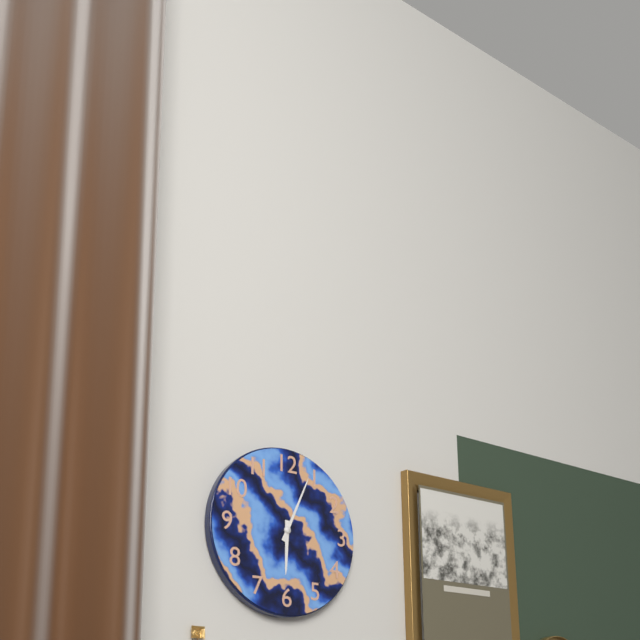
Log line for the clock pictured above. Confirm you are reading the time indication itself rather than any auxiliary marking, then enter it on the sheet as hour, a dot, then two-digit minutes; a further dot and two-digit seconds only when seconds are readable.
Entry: 6.04
